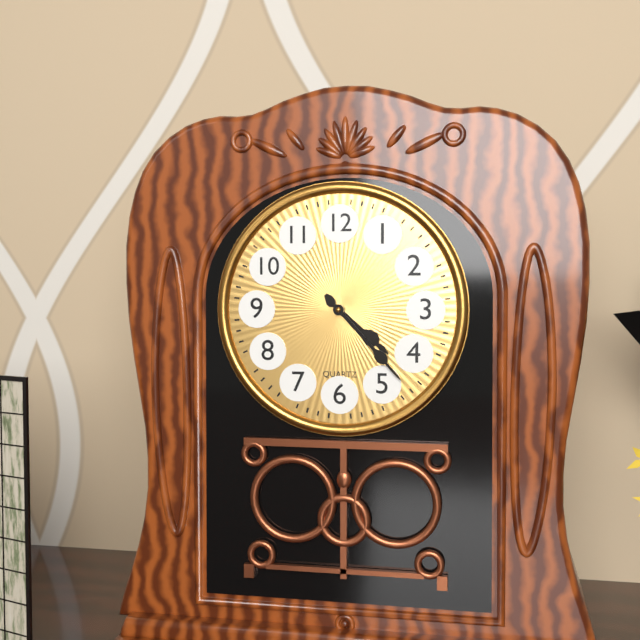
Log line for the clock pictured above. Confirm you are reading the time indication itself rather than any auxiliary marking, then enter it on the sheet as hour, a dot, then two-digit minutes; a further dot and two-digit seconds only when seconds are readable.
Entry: 4.23
